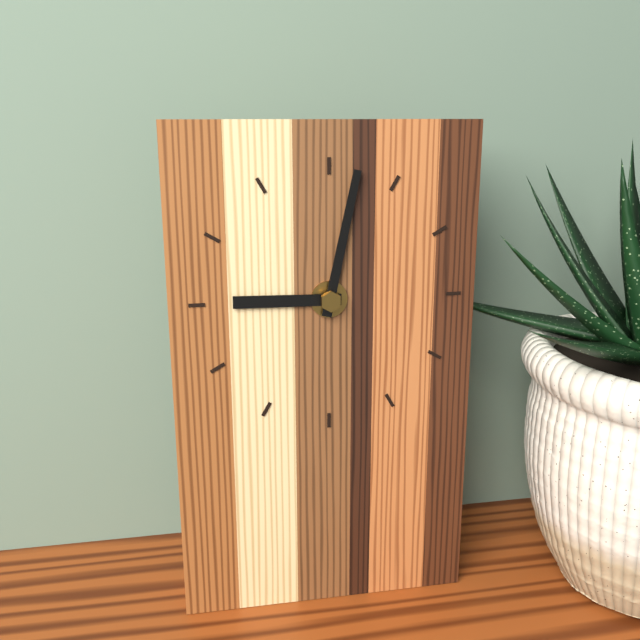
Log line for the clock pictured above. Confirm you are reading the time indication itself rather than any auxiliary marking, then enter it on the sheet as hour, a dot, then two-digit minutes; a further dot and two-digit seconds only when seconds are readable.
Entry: 9.02
